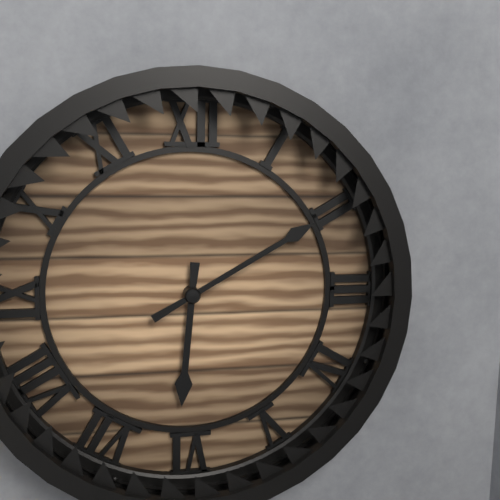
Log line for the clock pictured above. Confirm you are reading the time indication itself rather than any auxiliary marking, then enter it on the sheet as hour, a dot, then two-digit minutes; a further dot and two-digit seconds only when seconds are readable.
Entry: 6.10
